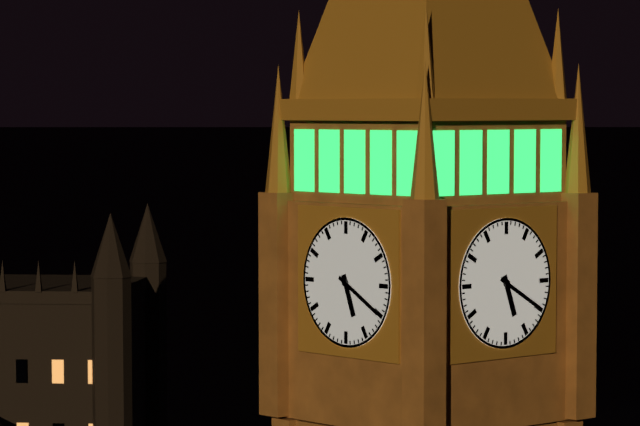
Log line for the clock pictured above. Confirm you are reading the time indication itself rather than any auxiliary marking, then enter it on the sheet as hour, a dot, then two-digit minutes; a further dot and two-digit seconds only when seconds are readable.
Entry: 5.20
